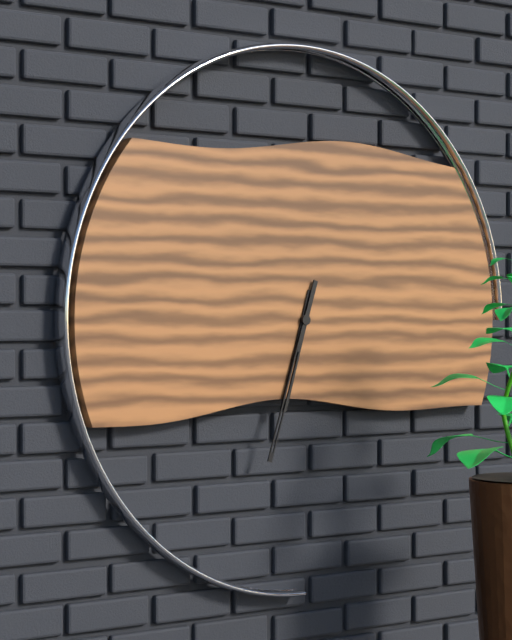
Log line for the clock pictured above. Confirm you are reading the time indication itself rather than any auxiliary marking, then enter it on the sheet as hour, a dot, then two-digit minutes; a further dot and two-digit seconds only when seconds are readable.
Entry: 6.33
